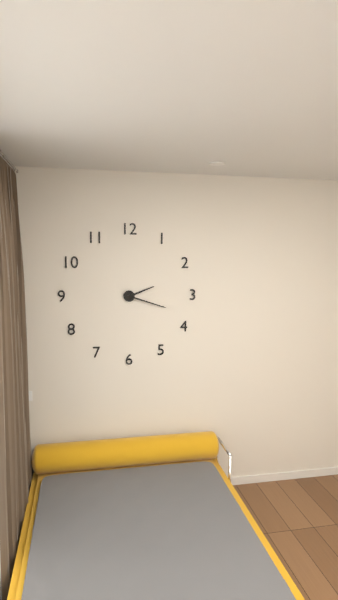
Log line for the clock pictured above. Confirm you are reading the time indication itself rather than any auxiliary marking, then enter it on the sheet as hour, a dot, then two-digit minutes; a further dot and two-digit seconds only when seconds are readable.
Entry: 2.18
